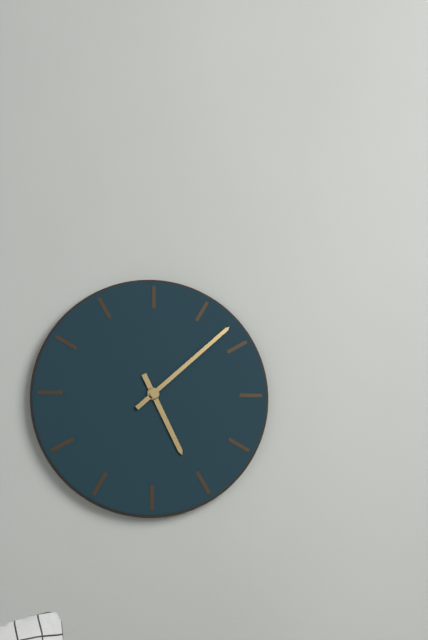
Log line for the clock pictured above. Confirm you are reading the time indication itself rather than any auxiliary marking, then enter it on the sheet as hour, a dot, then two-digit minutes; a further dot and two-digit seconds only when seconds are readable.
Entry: 5.08
